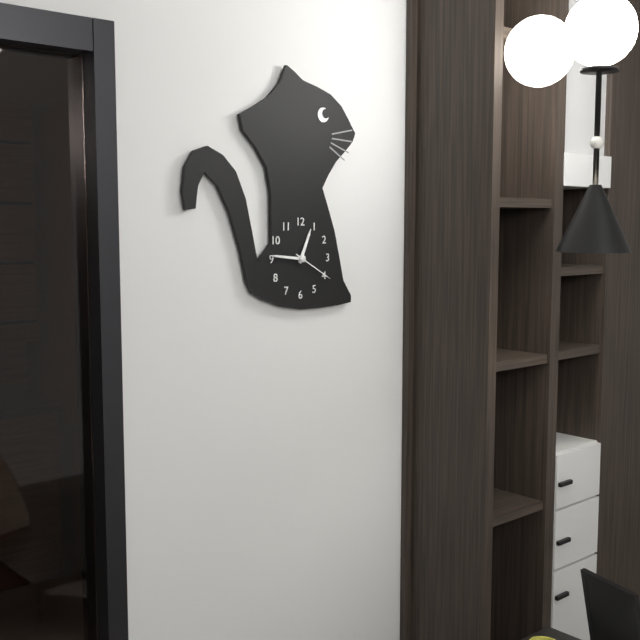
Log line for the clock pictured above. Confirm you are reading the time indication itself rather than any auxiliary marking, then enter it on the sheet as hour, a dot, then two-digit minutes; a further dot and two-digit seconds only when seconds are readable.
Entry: 12.46
